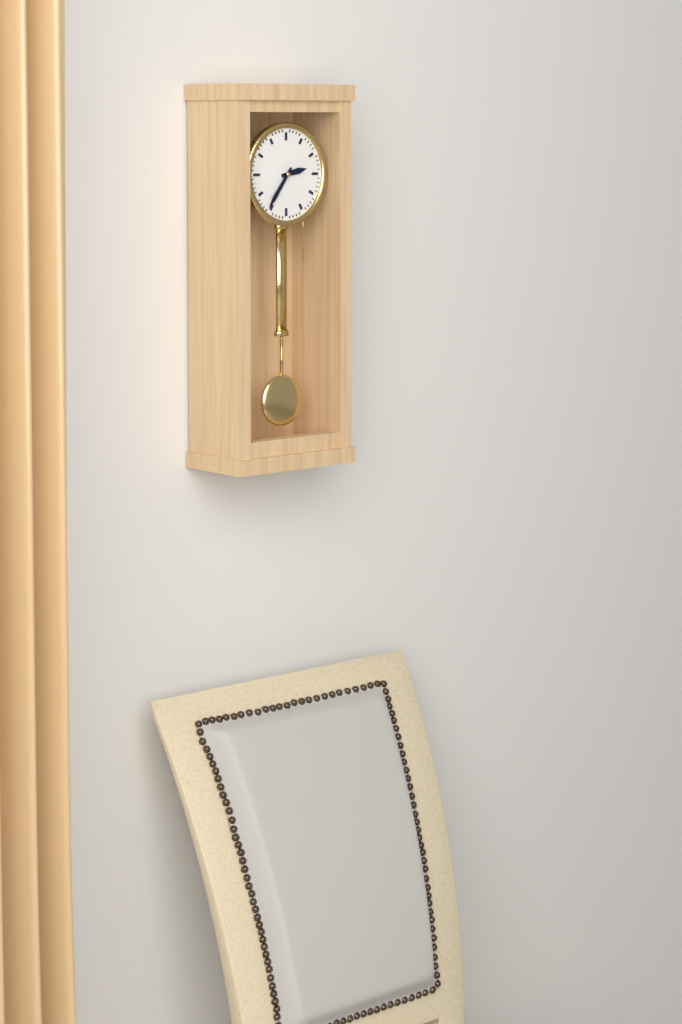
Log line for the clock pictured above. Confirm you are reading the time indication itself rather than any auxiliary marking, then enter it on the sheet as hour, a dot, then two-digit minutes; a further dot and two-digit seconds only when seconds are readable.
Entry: 2.36
